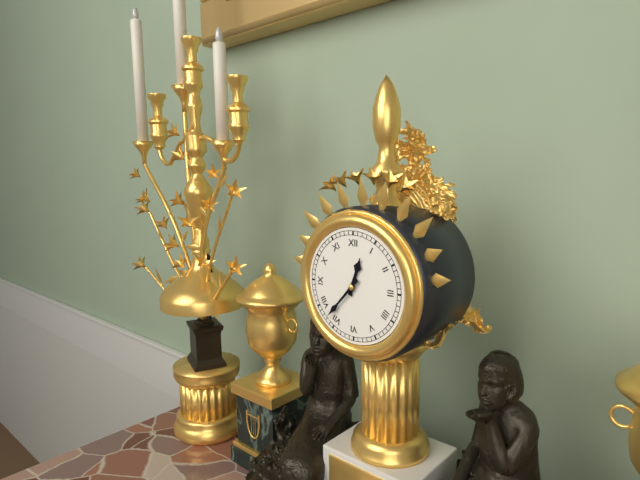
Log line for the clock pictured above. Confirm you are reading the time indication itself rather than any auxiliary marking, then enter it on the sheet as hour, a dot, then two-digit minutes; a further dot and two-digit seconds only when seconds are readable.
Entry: 12.37
